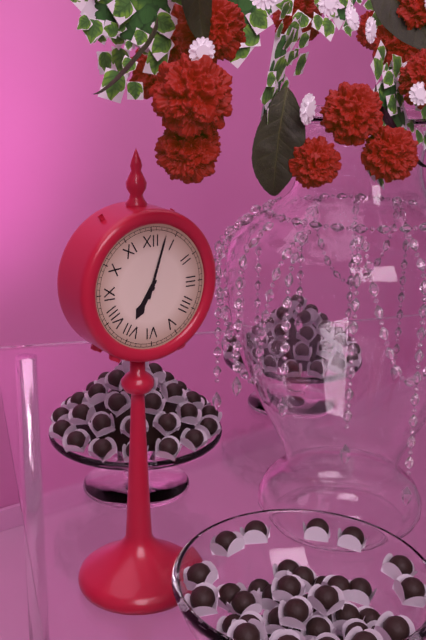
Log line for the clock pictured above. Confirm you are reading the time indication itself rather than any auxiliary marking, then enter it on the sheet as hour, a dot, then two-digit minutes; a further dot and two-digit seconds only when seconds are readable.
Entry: 7.03
